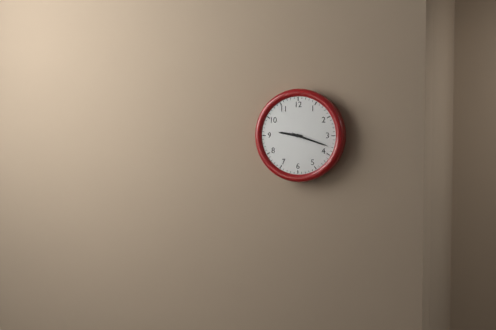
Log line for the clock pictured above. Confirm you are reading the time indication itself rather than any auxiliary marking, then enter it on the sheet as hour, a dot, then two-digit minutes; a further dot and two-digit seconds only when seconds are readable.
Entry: 9.18
